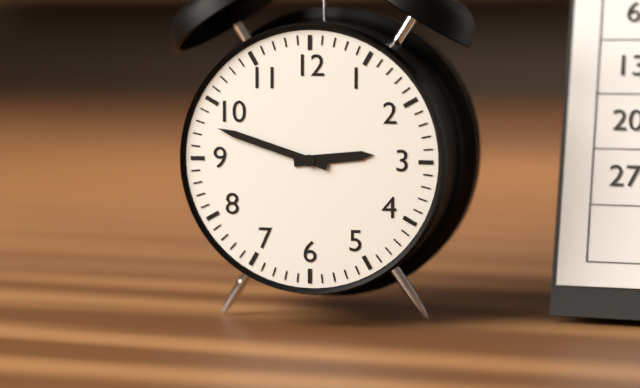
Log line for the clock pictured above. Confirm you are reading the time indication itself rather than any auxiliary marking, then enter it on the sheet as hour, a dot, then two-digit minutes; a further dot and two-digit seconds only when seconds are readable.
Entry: 2.48
